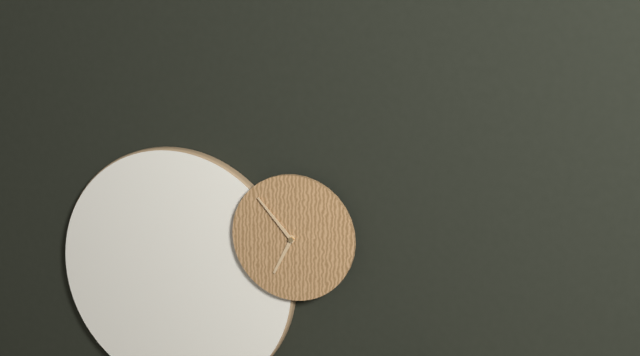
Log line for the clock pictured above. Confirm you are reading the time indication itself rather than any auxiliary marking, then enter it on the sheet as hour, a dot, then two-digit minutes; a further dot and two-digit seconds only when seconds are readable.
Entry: 6.53
